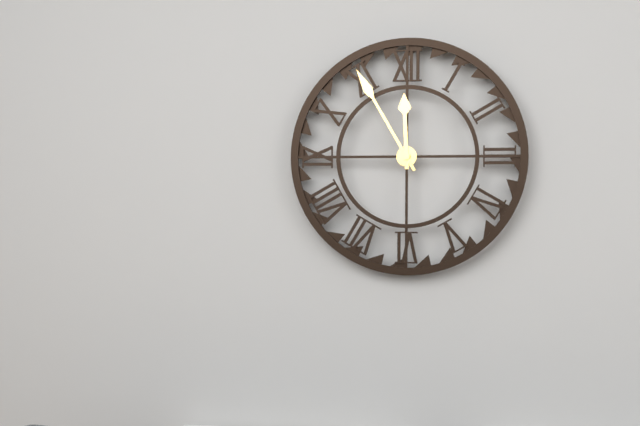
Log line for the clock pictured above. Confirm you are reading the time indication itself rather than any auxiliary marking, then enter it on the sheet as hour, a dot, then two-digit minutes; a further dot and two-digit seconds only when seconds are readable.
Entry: 11.55
